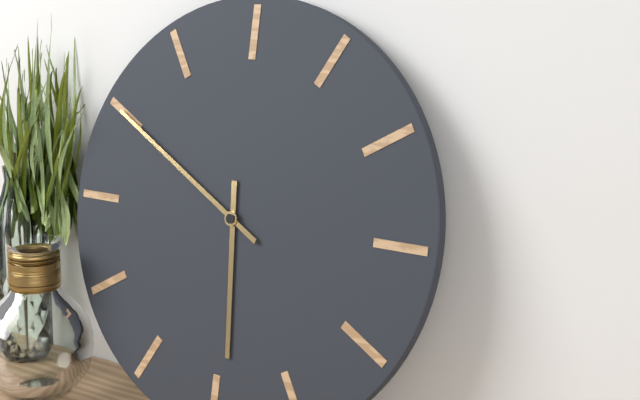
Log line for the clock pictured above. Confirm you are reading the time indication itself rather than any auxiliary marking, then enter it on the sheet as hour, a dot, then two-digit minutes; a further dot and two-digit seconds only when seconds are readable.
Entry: 5.50
